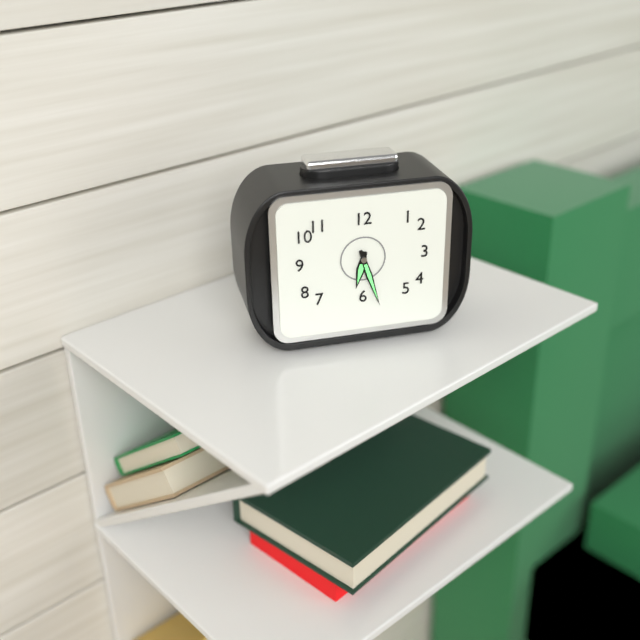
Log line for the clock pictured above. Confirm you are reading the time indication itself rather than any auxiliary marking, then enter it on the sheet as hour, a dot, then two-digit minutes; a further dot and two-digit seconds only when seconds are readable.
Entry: 6.27
